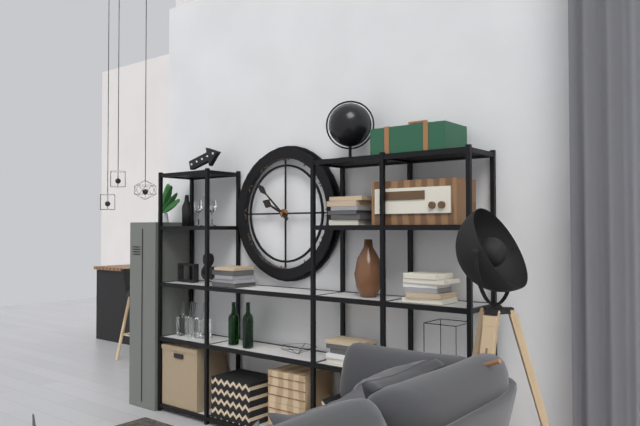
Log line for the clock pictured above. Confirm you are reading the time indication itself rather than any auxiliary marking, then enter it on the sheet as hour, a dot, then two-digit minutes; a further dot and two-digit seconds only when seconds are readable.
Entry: 9.52
